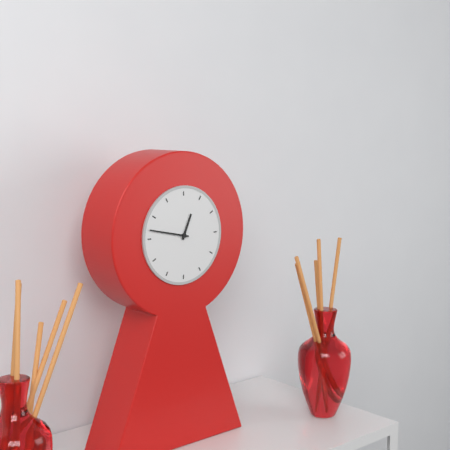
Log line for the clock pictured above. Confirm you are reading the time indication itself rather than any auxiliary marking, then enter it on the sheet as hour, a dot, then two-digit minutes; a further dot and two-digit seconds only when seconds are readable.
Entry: 12.47
